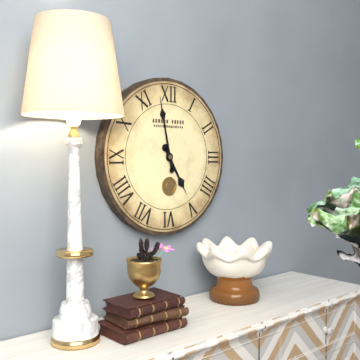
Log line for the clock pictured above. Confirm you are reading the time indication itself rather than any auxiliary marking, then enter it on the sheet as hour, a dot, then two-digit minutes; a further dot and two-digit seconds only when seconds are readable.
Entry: 4.58
